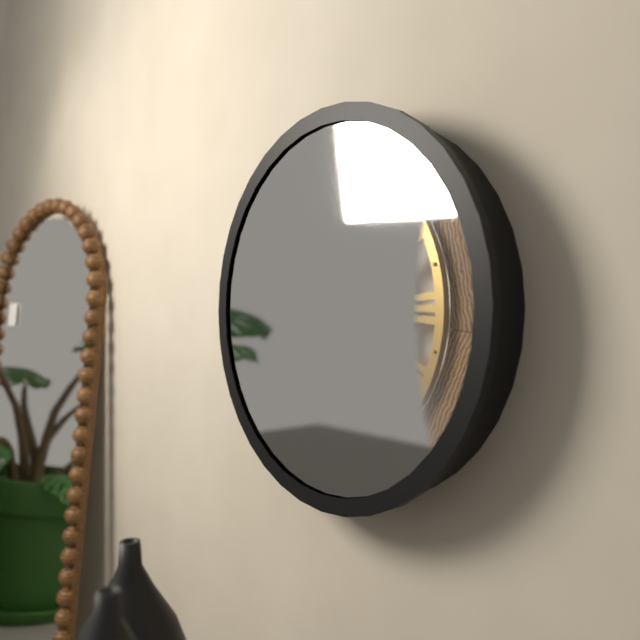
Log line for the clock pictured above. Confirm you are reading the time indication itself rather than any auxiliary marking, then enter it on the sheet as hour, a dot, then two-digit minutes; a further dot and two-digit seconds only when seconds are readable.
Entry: 7.44
